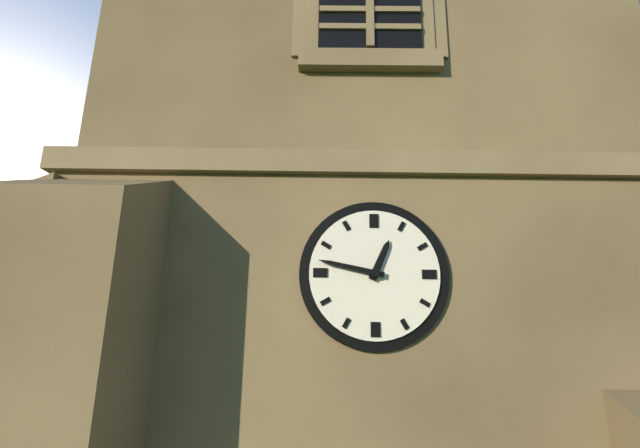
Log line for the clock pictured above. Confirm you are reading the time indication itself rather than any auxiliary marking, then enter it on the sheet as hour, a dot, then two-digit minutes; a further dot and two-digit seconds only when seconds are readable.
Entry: 12.47
